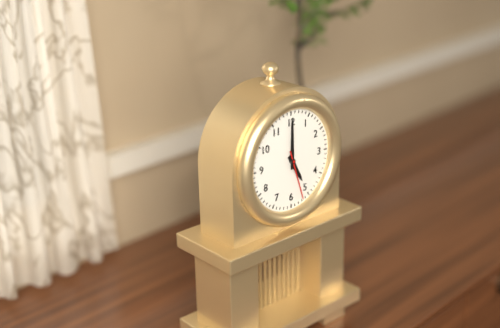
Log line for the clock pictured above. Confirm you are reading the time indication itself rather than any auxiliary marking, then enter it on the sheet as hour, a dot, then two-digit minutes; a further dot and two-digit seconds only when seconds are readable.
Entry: 5.00
